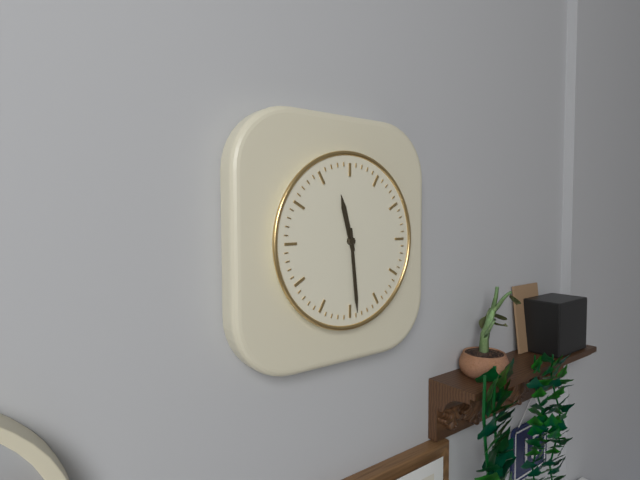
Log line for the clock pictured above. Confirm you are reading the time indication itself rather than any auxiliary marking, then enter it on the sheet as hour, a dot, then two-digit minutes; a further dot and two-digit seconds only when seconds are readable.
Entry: 11.29
